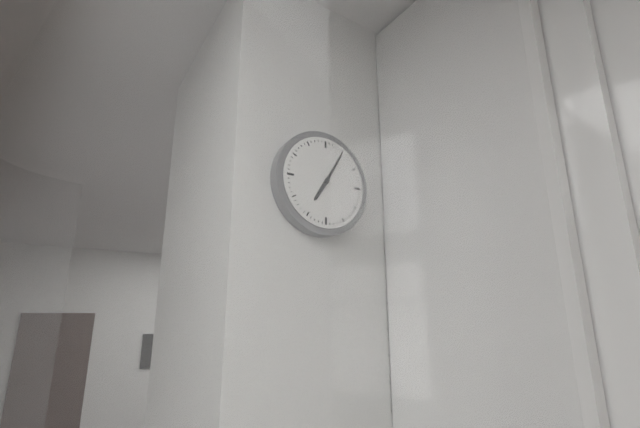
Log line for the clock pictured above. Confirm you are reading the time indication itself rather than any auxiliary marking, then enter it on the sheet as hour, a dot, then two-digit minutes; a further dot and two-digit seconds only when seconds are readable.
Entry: 7.05
